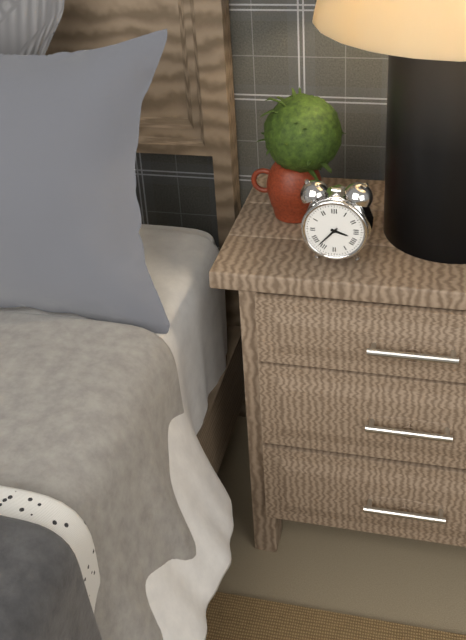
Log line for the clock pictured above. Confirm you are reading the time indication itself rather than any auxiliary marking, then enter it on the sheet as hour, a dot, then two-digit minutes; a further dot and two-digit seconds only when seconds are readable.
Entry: 3.37
